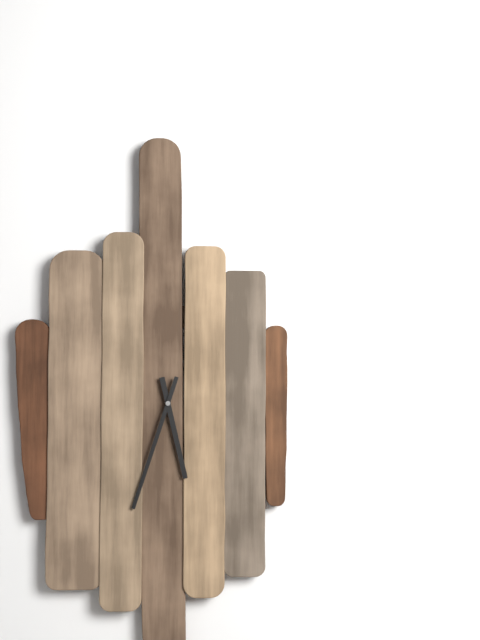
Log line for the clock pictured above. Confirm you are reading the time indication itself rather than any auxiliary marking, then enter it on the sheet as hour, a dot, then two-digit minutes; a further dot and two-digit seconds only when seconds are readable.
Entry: 5.33
